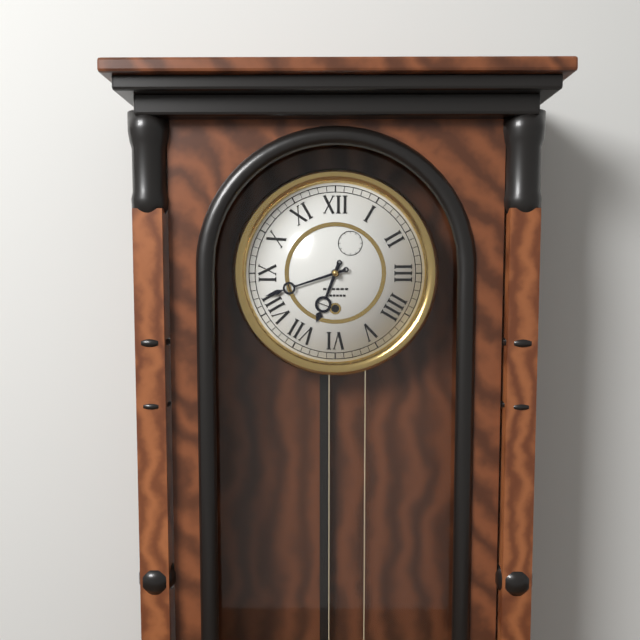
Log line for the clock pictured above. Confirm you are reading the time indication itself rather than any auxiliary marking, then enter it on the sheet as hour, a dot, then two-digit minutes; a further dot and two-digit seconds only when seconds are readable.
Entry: 6.42
